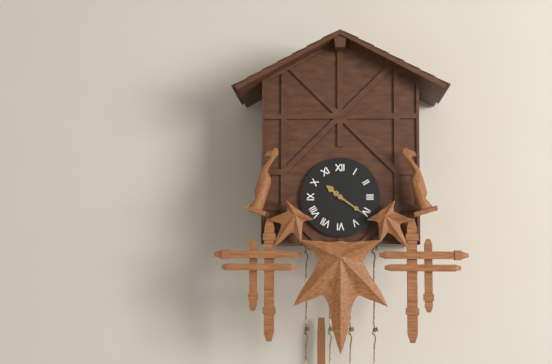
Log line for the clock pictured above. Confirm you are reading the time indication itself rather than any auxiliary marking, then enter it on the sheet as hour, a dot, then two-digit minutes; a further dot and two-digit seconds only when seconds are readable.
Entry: 10.21
